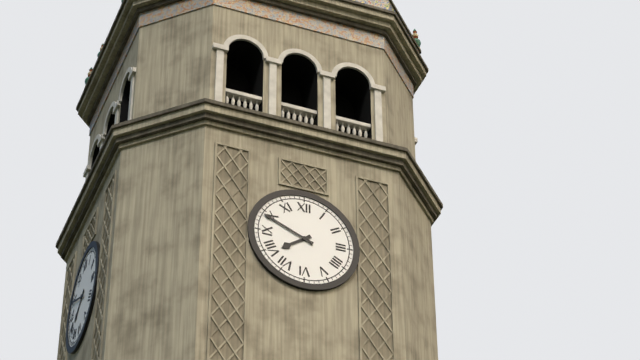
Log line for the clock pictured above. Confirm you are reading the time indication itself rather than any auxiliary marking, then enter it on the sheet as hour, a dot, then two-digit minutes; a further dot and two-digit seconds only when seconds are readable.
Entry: 7.49
